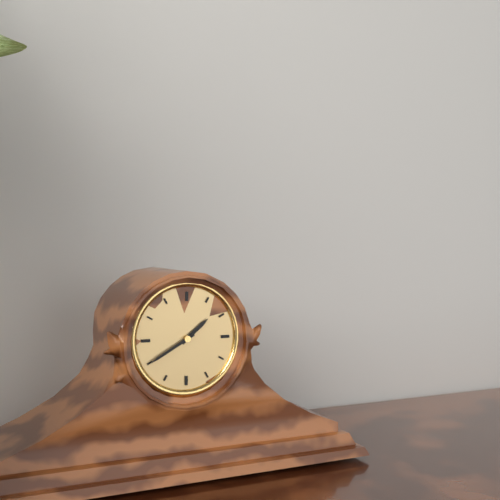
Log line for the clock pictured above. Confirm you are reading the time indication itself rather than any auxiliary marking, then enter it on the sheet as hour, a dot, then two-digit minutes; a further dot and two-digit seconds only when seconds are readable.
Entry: 1.40
